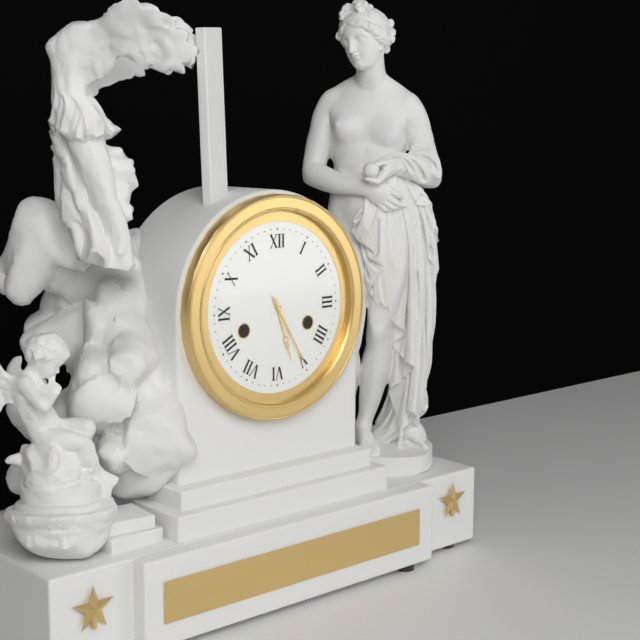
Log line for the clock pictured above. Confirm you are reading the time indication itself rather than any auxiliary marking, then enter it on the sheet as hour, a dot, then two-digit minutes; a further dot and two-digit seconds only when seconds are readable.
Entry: 5.25
